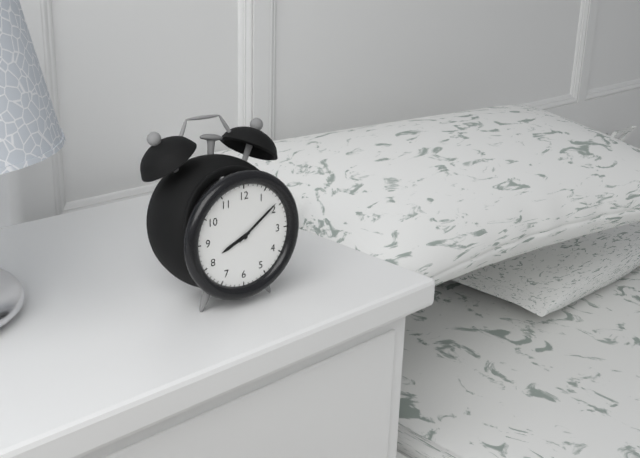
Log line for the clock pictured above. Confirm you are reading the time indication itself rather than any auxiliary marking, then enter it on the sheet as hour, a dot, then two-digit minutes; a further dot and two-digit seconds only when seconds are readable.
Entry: 8.09
